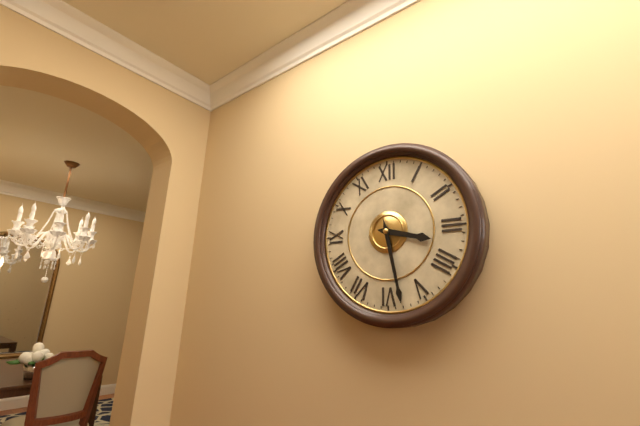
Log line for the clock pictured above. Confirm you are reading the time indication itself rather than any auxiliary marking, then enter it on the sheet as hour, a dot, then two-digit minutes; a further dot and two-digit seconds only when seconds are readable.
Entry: 3.28
